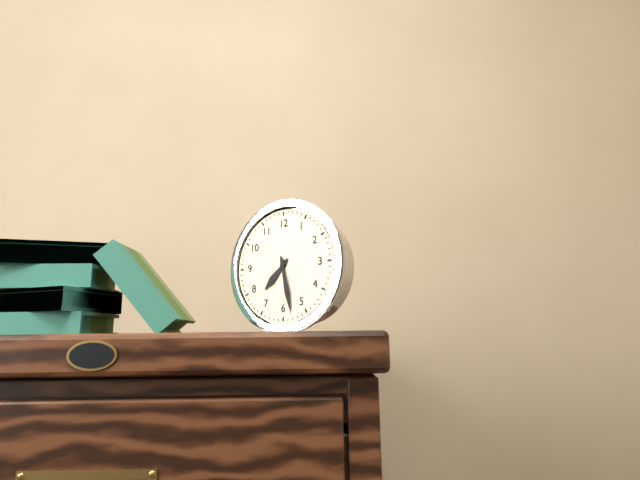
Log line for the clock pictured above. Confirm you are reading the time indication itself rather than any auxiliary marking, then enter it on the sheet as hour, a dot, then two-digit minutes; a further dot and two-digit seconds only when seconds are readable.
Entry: 7.28
